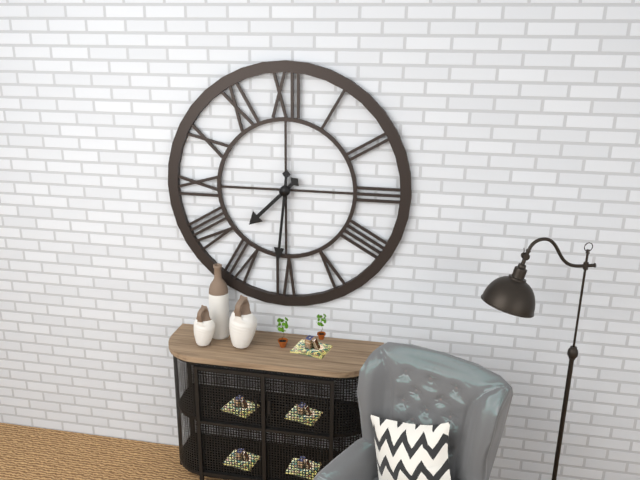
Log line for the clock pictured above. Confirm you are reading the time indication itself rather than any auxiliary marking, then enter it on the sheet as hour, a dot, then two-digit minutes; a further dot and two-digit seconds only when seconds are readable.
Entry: 7.31
